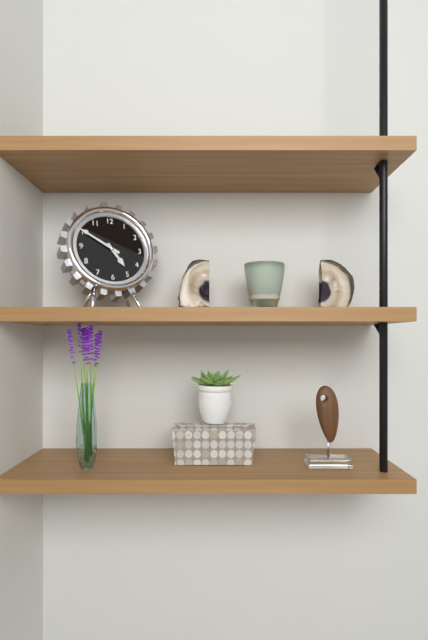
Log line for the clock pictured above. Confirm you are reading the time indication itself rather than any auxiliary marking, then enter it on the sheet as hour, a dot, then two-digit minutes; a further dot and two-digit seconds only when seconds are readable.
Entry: 4.50
